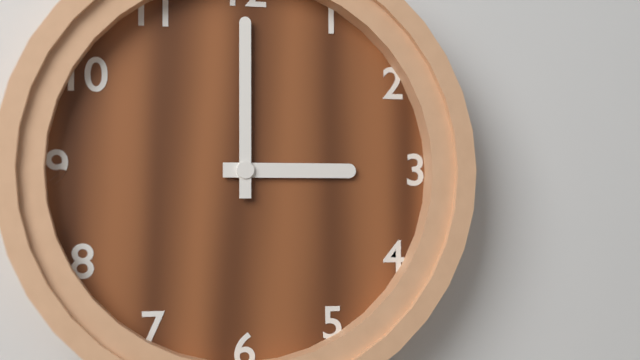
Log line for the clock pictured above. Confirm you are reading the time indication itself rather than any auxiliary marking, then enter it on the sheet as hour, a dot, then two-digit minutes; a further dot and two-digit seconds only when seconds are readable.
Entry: 3.00
